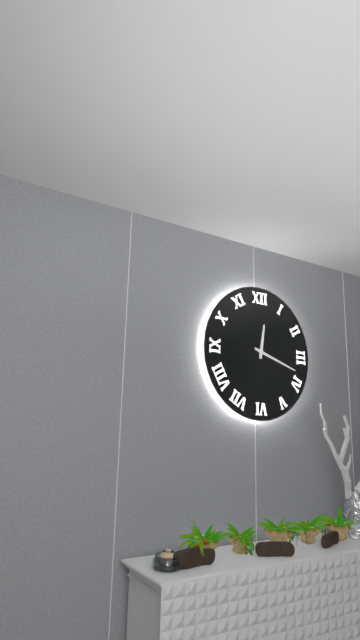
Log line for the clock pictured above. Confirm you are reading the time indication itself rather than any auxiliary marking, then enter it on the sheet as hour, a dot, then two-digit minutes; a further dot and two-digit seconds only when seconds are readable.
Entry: 12.18
